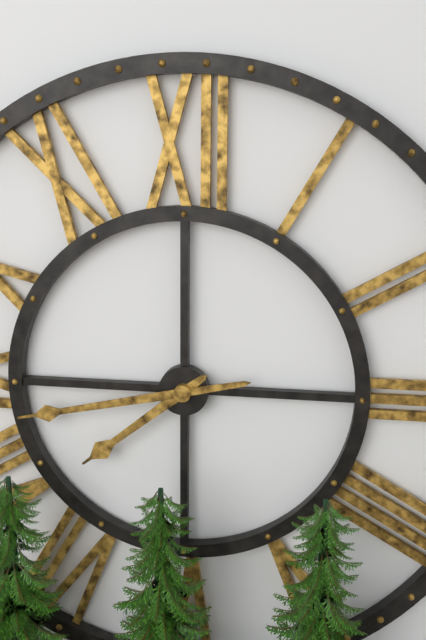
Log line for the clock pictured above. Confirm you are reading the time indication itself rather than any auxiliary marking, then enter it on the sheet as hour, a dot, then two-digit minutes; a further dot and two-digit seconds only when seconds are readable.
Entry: 7.43
